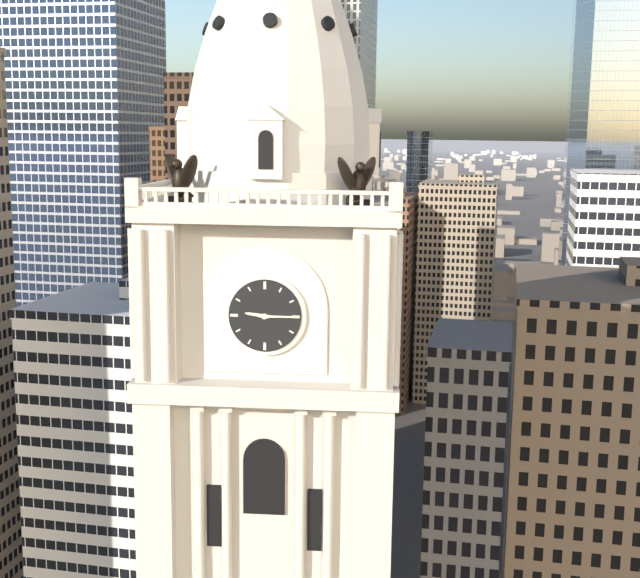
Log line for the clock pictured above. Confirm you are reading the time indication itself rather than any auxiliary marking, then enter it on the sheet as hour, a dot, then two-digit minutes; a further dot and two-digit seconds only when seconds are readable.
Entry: 9.15
